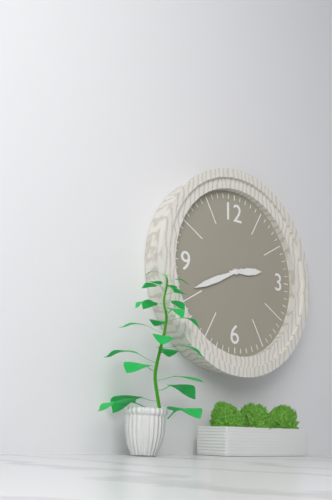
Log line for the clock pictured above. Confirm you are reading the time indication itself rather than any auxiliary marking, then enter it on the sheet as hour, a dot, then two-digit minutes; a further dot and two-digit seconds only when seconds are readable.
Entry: 2.41
